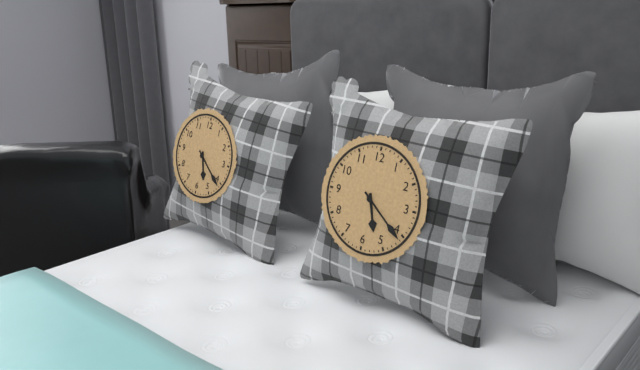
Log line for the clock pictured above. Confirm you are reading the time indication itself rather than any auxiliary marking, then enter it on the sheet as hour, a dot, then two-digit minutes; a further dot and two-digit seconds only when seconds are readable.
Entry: 5.21
